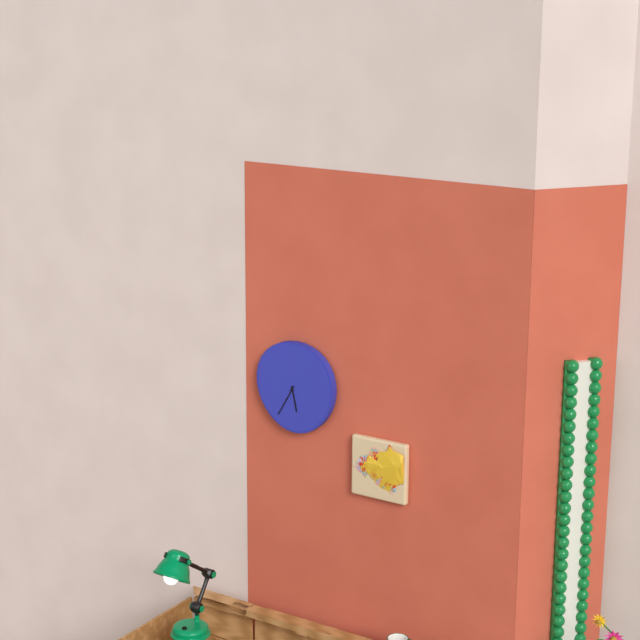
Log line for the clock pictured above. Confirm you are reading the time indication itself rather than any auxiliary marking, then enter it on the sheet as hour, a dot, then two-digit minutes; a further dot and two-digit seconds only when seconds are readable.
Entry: 5.35
